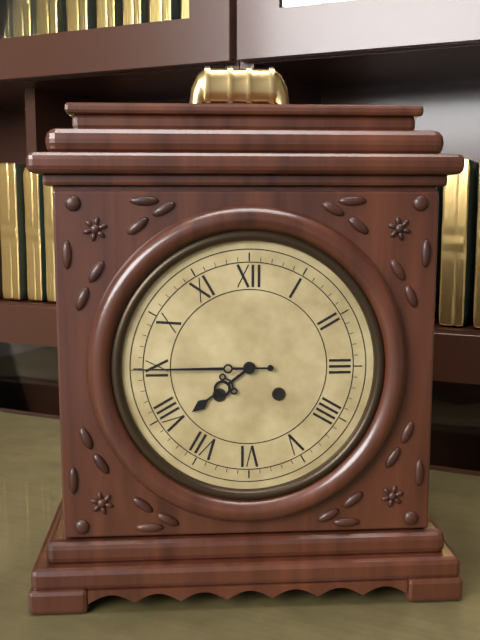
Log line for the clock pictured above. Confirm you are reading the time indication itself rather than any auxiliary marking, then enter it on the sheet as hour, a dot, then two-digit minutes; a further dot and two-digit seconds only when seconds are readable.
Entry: 7.45
